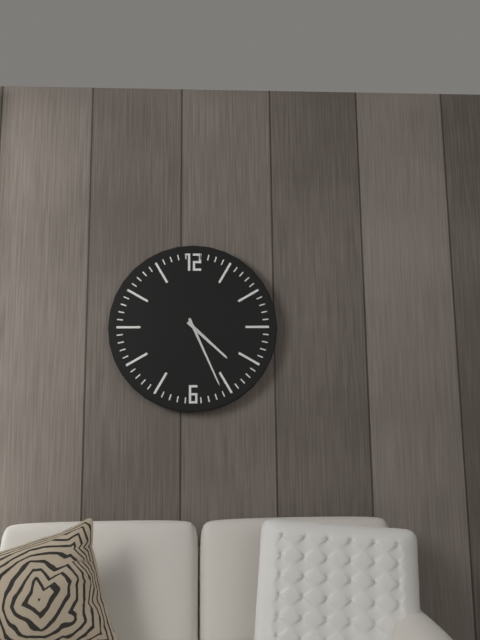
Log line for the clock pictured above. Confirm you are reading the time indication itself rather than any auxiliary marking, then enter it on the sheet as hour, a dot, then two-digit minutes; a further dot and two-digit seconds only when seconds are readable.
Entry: 4.26
